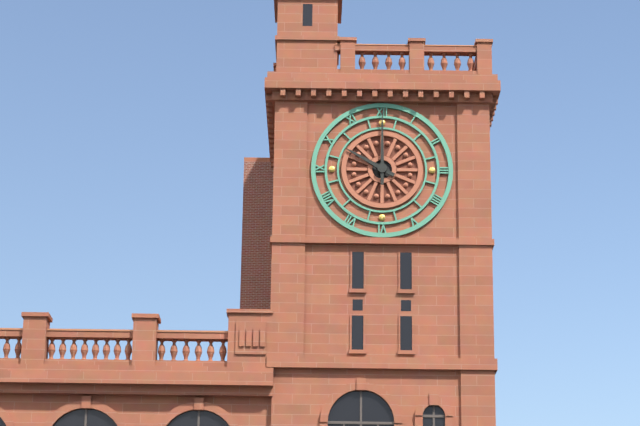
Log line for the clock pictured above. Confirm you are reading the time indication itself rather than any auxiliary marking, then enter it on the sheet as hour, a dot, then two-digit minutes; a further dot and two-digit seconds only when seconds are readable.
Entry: 10.00
